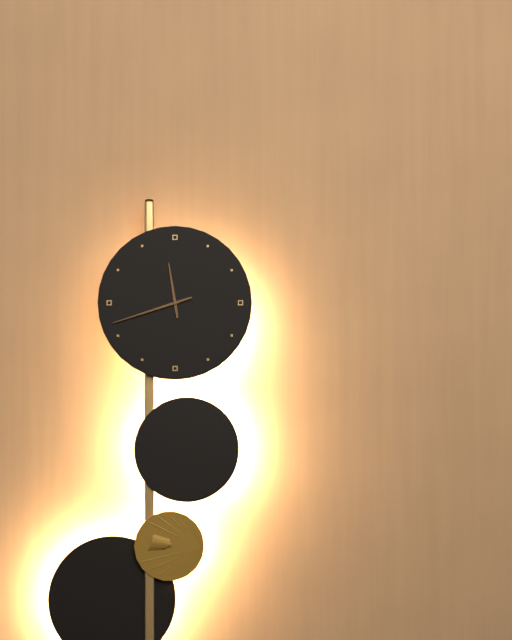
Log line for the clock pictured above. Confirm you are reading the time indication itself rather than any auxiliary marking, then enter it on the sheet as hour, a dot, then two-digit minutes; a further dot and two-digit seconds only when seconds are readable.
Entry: 11.42
